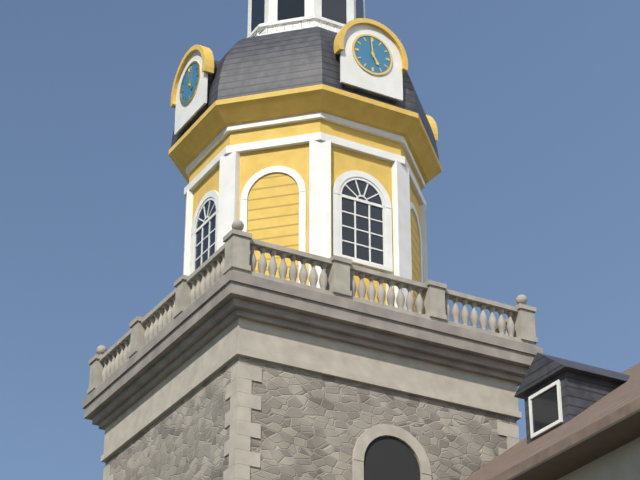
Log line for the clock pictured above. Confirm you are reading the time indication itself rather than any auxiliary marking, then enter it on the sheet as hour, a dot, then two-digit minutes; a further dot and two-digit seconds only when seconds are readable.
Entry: 4.59
